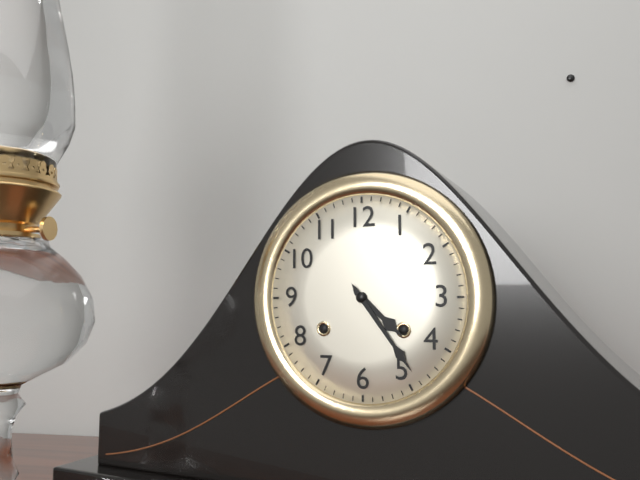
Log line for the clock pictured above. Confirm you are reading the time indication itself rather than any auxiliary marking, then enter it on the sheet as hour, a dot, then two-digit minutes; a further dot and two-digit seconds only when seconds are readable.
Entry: 4.24
